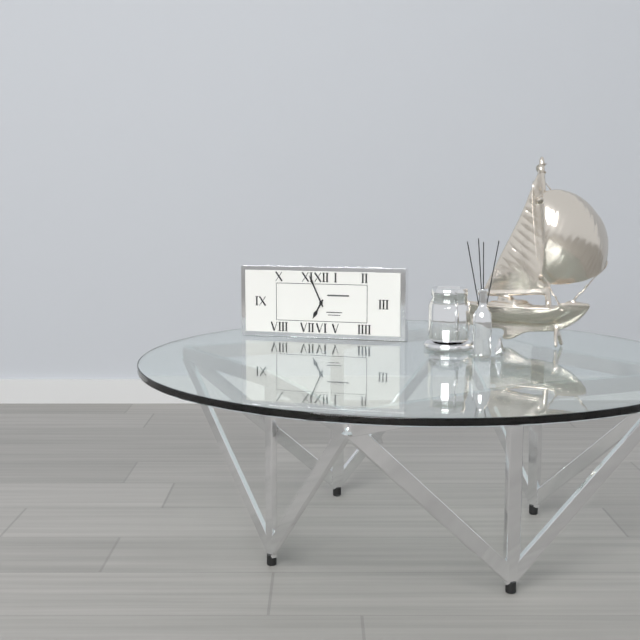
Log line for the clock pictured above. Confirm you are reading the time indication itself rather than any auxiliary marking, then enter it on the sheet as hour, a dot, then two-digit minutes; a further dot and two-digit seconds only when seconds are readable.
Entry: 6.56
